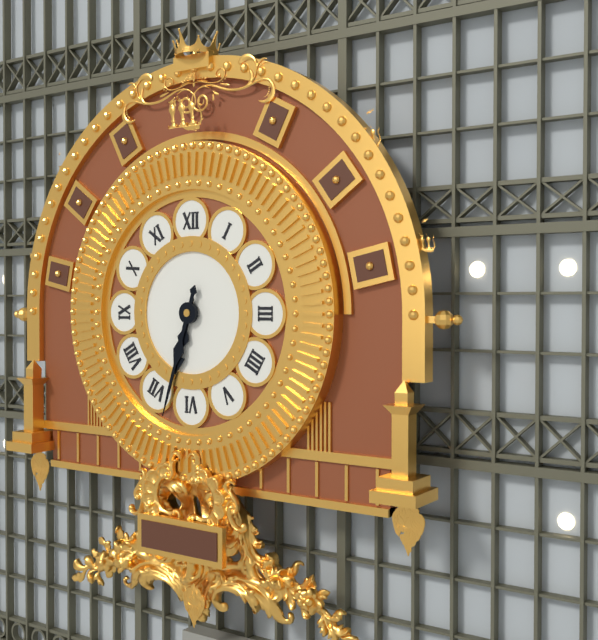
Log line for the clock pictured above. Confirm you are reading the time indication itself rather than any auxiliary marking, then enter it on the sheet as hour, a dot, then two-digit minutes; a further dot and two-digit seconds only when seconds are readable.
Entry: 6.33
